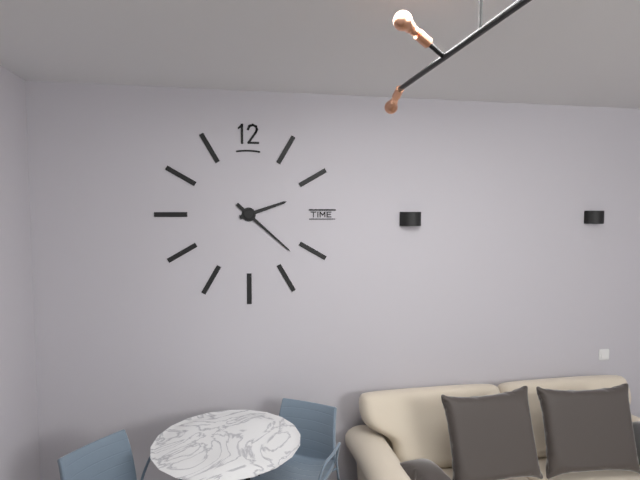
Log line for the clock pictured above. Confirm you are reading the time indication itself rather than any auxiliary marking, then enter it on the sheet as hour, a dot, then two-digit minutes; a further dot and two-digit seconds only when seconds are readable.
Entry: 2.22
